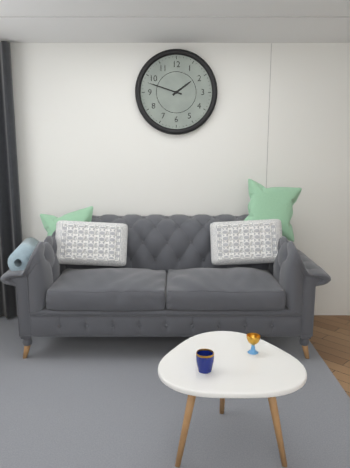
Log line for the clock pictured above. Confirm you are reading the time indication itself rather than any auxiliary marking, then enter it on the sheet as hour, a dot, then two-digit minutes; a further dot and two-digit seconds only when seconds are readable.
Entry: 1.48
